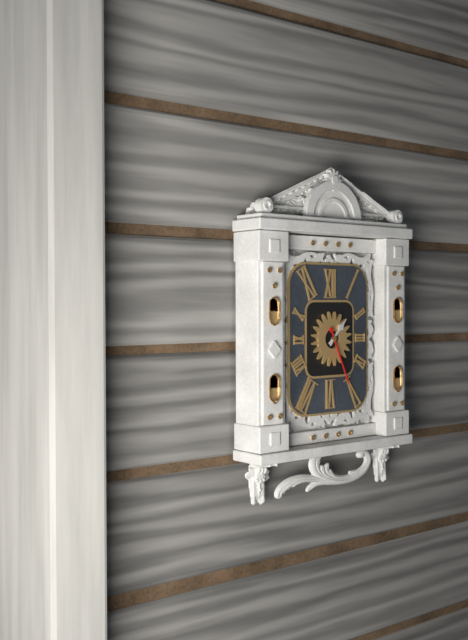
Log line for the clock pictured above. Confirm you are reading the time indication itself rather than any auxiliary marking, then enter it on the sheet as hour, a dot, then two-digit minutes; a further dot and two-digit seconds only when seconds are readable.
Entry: 1.26
